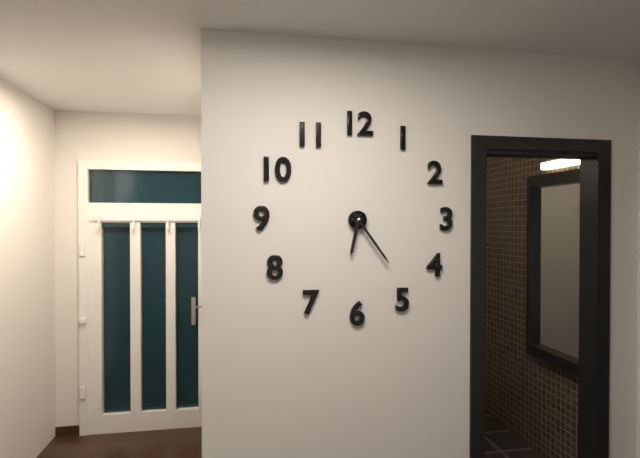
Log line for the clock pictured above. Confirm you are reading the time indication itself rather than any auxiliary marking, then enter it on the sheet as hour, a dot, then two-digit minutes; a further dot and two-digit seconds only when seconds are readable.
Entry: 6.24
